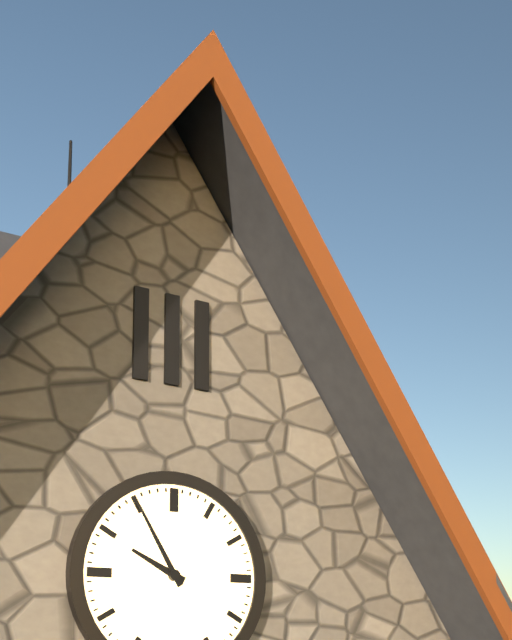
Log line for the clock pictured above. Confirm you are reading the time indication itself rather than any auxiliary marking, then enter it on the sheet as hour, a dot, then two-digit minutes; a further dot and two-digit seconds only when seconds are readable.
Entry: 9.55
